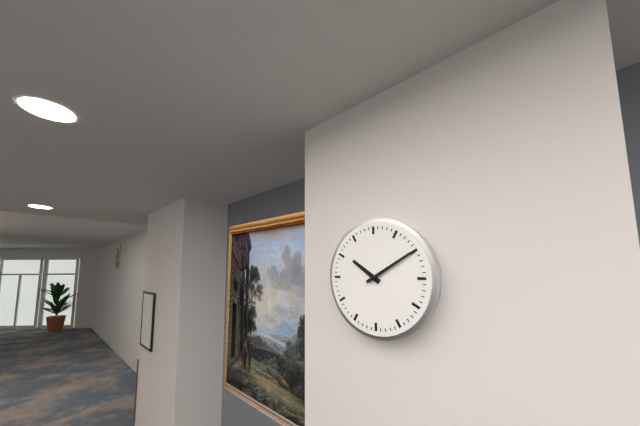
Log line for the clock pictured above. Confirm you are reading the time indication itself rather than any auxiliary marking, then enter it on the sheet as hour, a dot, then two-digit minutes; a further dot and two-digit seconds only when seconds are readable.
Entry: 10.10
